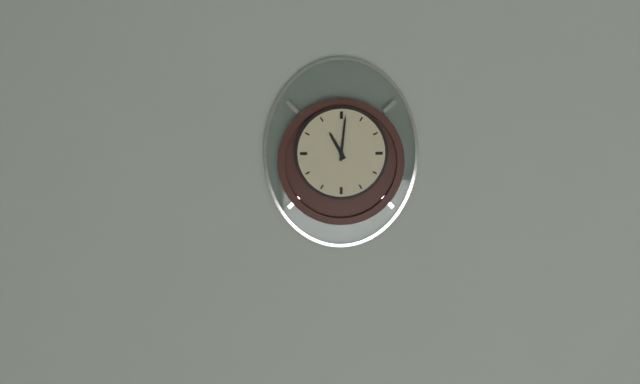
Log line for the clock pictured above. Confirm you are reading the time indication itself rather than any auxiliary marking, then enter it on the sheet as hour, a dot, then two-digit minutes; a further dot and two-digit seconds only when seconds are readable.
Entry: 11.01
